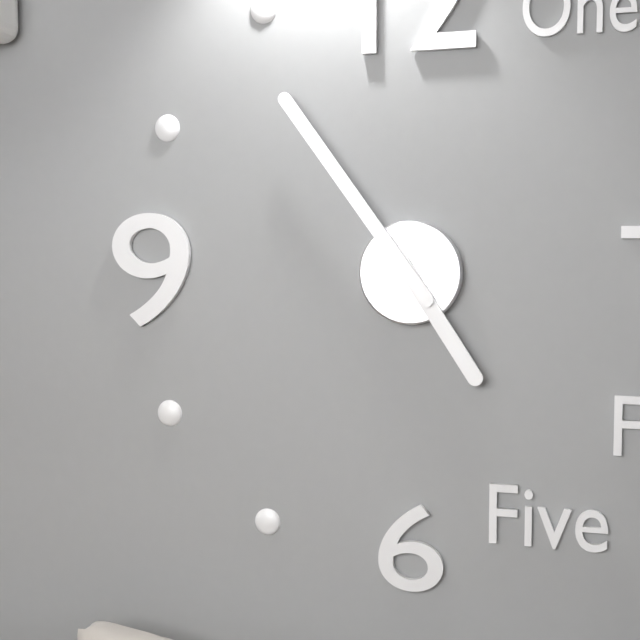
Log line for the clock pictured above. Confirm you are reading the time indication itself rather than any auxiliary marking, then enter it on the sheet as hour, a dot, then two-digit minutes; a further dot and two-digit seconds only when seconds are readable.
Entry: 4.54
